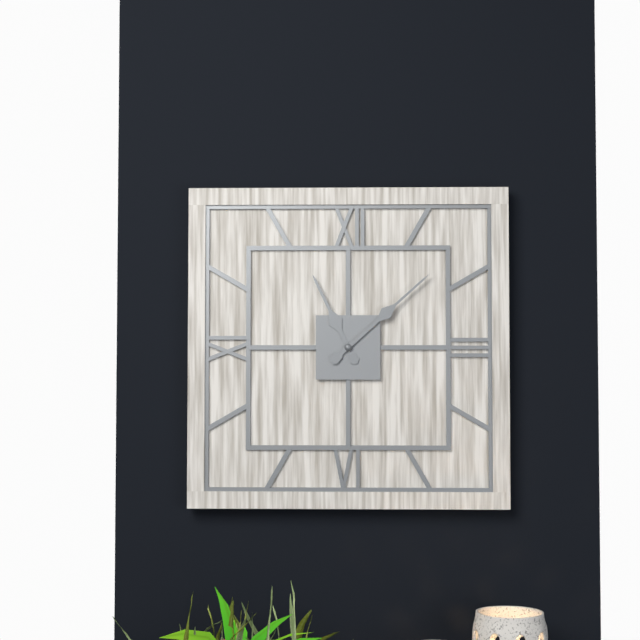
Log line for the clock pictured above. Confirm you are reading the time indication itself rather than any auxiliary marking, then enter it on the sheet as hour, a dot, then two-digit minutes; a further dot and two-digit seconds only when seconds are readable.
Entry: 11.08
